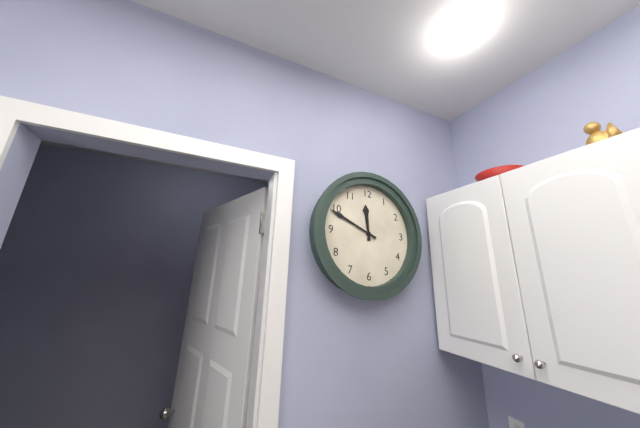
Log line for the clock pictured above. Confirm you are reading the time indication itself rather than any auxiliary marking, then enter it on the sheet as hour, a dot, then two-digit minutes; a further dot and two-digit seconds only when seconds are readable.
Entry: 11.49
